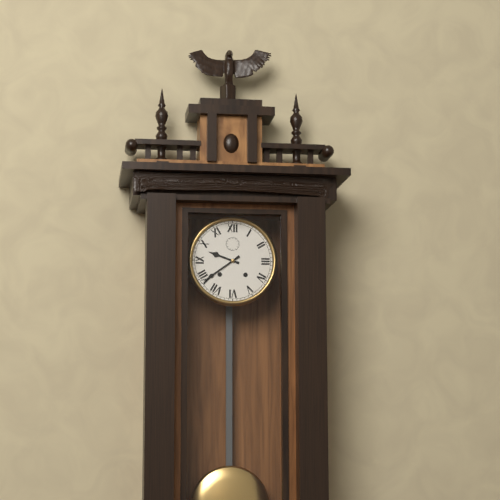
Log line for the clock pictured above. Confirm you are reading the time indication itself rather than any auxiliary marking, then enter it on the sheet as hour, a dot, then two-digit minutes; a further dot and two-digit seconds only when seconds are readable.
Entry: 9.39
